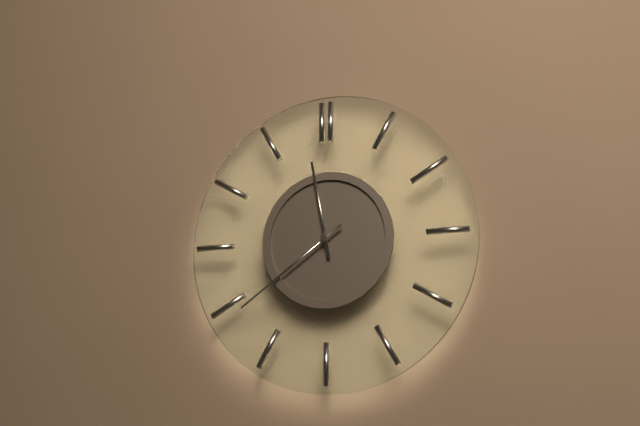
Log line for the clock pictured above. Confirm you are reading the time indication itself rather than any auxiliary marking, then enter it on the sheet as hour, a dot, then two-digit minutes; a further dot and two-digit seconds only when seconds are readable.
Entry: 11.39
